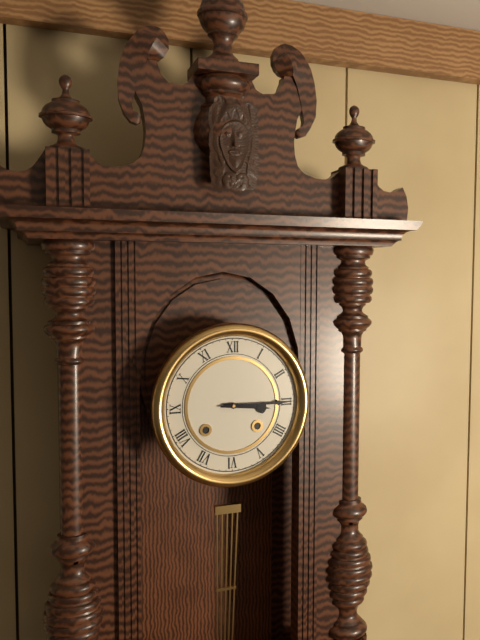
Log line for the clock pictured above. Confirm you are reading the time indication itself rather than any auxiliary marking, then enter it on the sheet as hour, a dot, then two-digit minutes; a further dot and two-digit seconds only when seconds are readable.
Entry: 3.15
